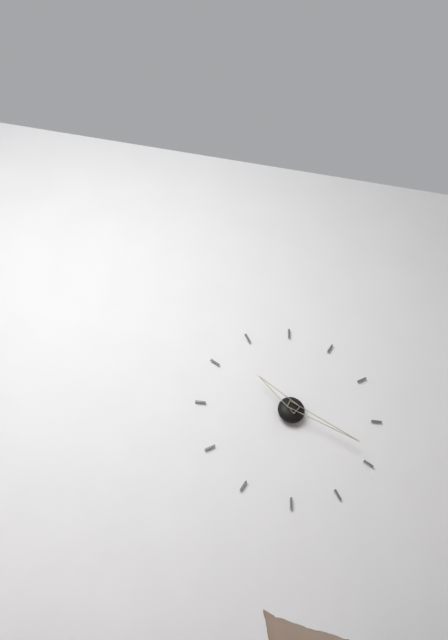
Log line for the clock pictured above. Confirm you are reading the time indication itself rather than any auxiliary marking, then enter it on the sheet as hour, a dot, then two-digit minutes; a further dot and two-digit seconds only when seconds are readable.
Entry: 10.19
